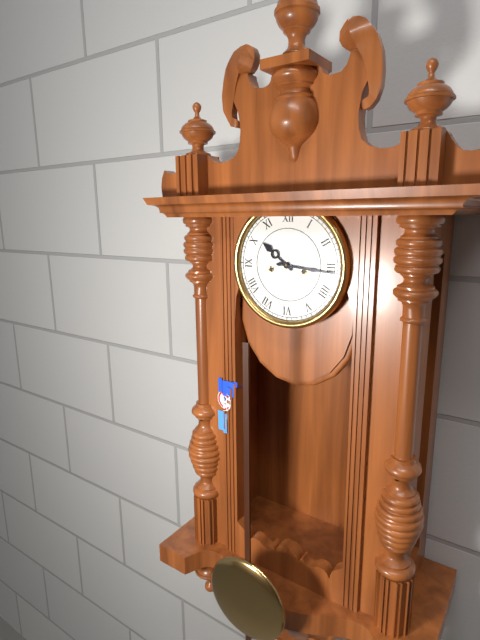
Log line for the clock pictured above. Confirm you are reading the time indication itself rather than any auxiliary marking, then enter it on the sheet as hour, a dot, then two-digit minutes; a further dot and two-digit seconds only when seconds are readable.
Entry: 10.16
